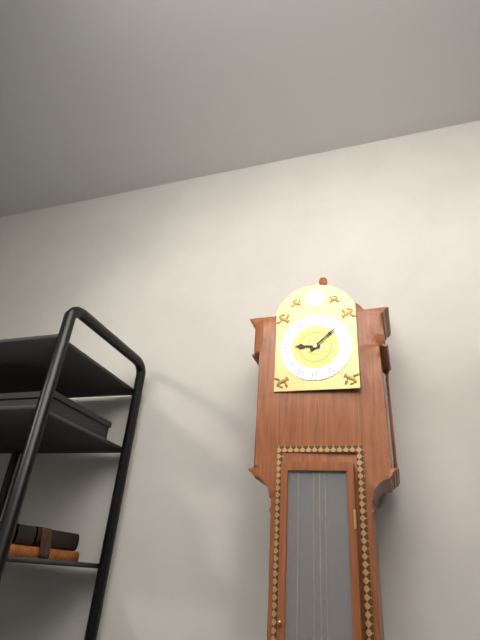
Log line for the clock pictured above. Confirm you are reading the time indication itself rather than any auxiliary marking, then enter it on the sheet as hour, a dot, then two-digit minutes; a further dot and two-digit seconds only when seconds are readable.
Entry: 9.08
